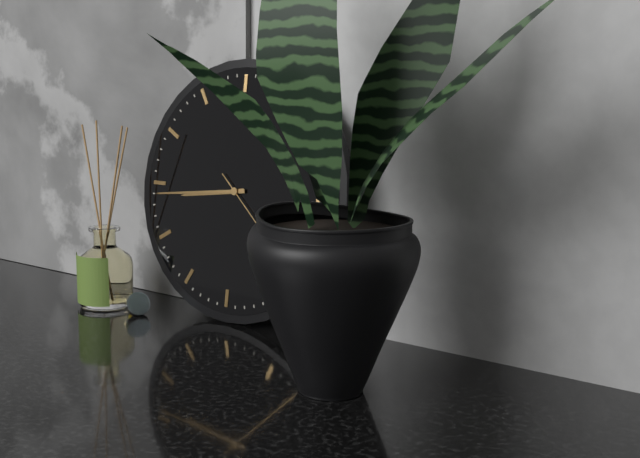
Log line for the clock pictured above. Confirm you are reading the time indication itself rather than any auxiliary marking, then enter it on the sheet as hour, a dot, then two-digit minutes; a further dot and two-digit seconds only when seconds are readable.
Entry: 8.44
